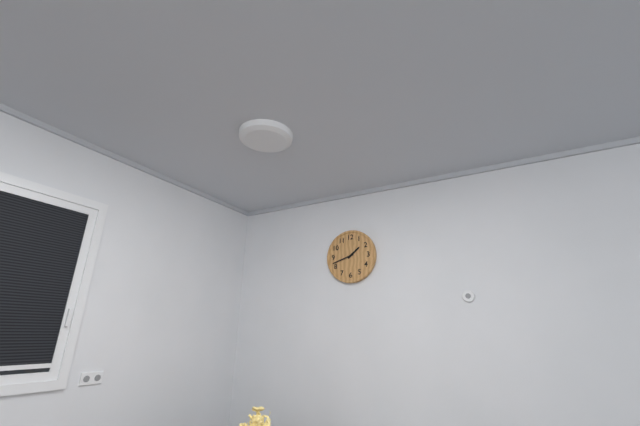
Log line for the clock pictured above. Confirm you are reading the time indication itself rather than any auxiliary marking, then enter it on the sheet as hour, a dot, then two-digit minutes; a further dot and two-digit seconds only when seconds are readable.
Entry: 1.42
